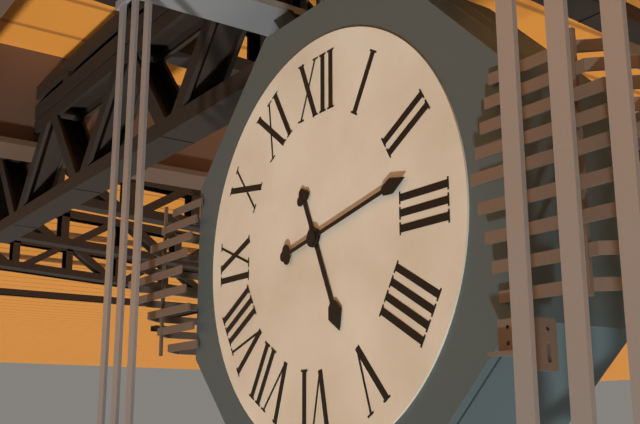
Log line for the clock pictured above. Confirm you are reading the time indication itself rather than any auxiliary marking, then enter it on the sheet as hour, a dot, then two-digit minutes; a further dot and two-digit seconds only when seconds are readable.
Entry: 5.13
